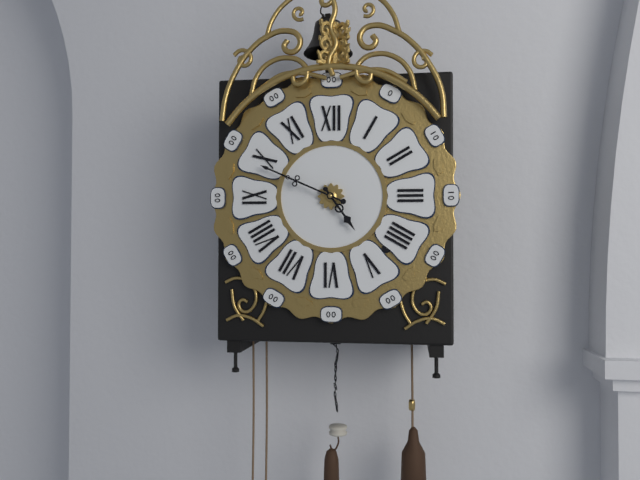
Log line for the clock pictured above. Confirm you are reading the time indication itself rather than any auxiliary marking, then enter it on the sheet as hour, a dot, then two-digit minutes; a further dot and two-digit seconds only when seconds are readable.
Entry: 4.49
